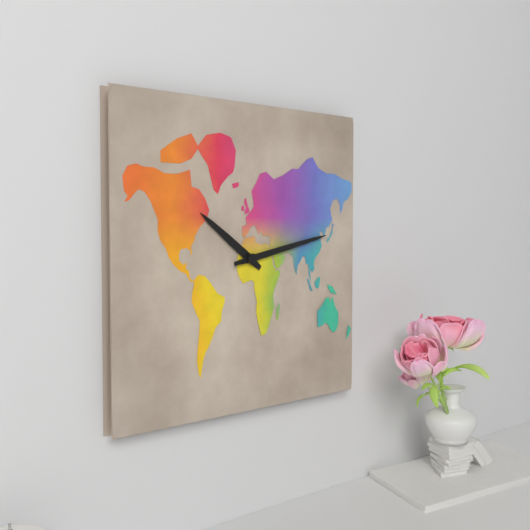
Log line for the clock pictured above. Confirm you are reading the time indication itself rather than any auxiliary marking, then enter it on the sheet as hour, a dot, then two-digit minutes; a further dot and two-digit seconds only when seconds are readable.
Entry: 10.13
